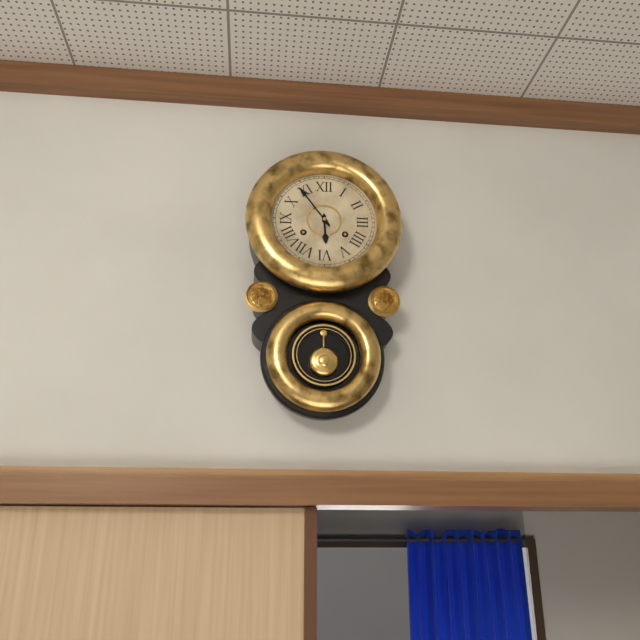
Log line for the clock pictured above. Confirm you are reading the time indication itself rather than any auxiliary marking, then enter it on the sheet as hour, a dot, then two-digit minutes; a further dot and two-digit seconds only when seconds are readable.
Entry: 5.54
